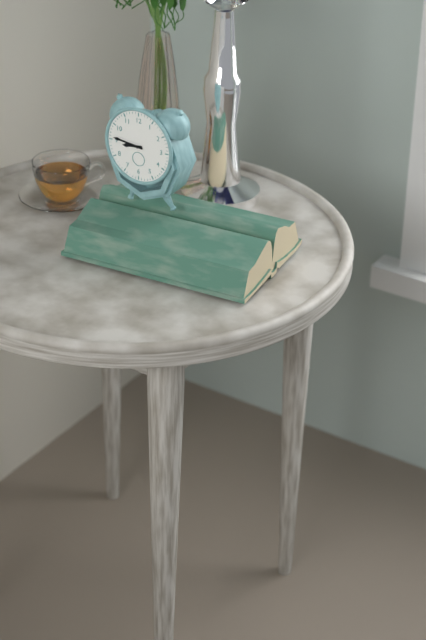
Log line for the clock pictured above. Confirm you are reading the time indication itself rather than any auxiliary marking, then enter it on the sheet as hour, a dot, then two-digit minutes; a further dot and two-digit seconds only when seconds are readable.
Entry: 8.46
